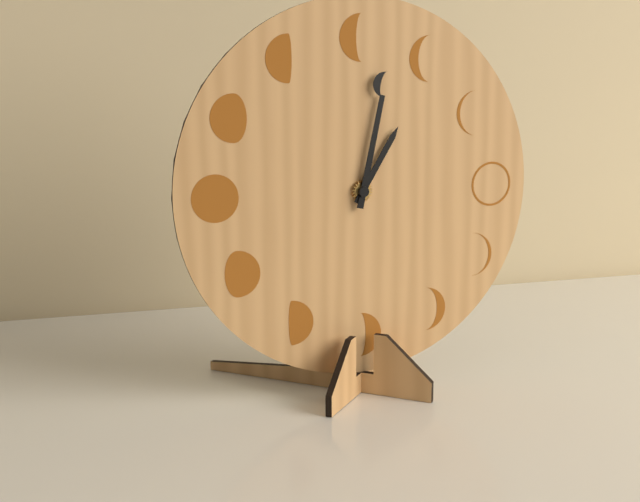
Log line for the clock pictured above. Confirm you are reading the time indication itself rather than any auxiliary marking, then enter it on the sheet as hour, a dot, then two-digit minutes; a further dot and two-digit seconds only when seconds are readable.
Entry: 1.02
